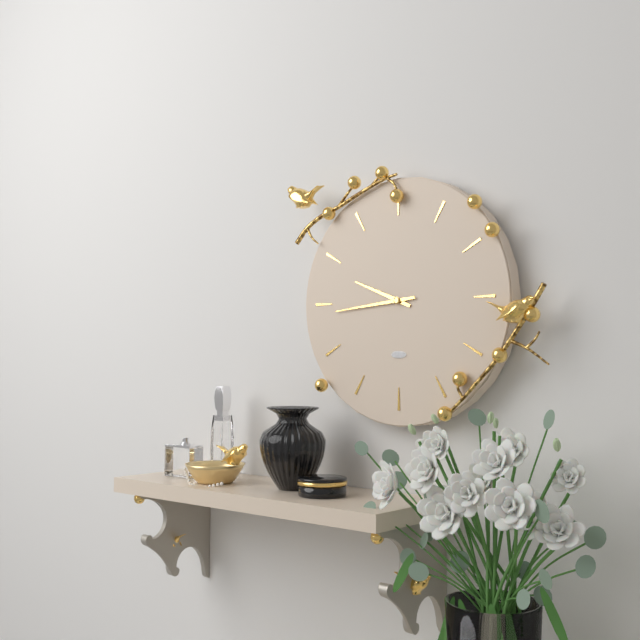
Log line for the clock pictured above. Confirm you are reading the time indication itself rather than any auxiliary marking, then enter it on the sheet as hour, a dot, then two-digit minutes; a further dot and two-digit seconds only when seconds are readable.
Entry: 9.44
